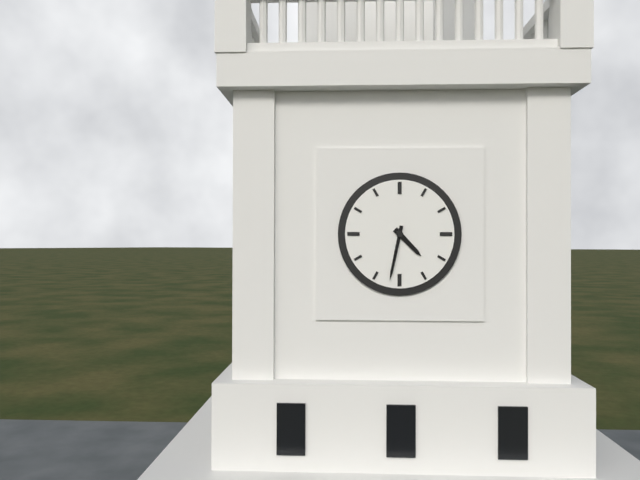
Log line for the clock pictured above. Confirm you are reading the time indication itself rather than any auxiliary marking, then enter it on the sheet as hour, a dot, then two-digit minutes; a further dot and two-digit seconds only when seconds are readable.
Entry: 4.32
